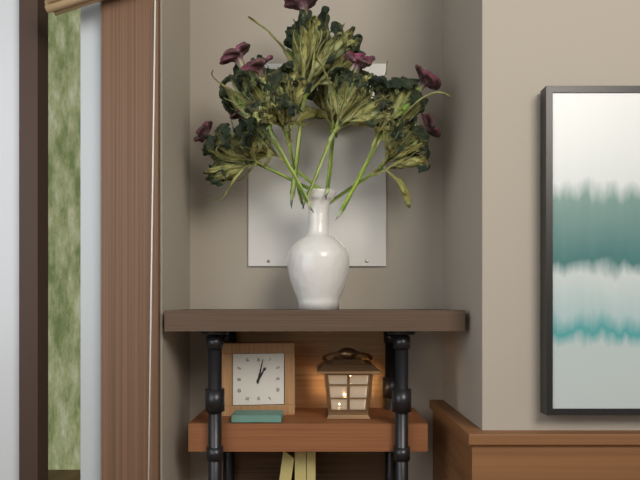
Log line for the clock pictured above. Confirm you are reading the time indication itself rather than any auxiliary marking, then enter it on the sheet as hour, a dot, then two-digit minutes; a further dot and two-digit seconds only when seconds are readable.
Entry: 1.02
